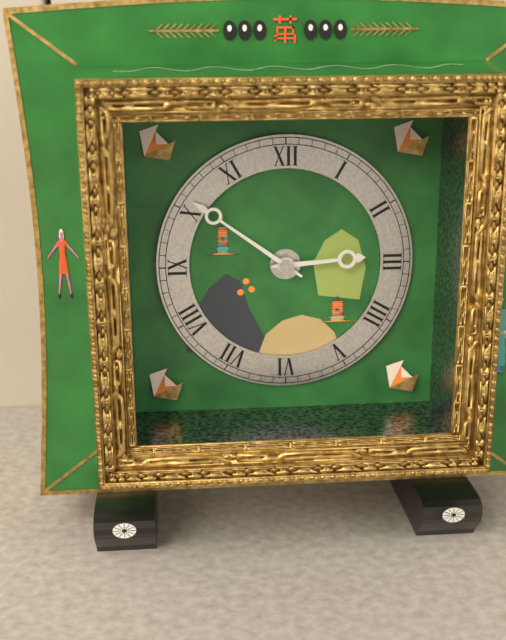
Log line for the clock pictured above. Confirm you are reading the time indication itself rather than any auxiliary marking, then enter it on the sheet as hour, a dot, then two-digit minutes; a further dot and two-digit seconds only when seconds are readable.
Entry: 2.51
